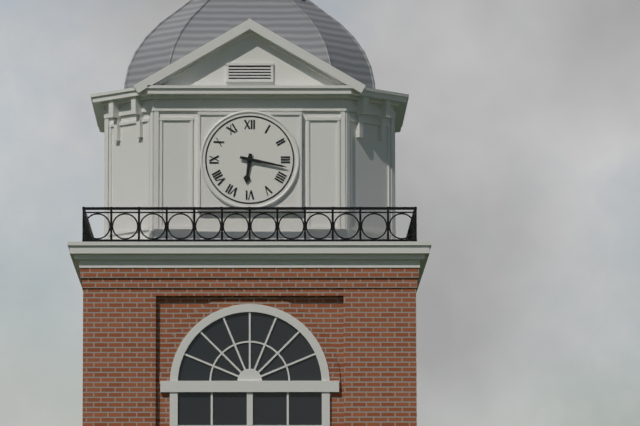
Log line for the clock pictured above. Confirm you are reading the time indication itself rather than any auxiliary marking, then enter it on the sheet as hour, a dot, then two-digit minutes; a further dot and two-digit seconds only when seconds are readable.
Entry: 6.17
